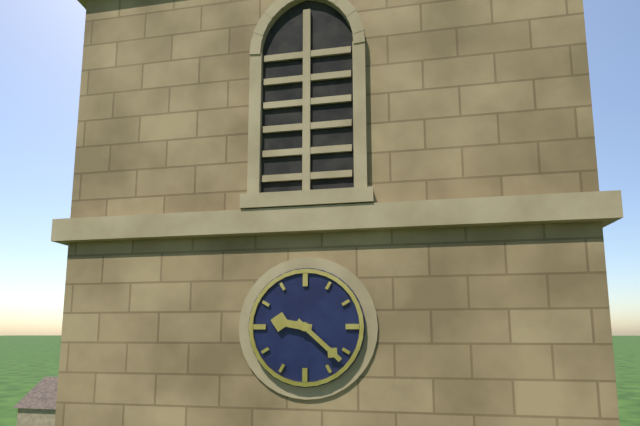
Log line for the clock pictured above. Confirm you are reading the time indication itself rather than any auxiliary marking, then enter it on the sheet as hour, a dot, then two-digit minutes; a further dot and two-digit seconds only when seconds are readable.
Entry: 9.22
